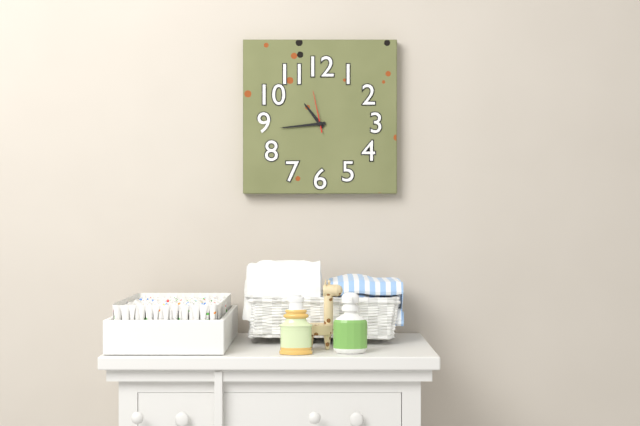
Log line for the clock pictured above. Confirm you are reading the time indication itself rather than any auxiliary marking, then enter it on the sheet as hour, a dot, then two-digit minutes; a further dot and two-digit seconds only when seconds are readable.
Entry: 10.44
